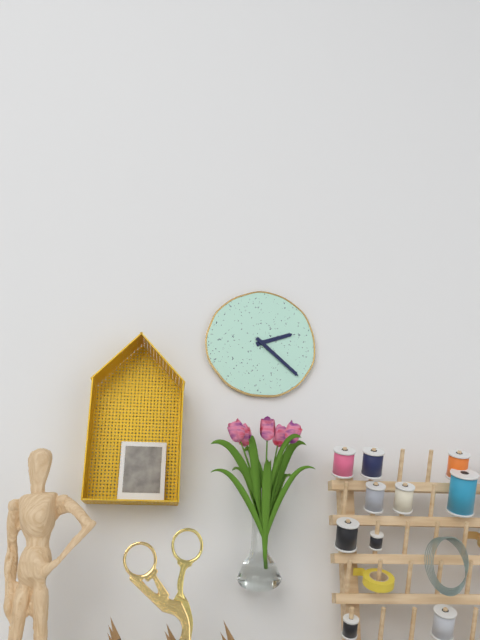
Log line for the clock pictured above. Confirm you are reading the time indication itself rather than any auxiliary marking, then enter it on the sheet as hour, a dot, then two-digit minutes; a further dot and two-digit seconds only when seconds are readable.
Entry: 2.22
